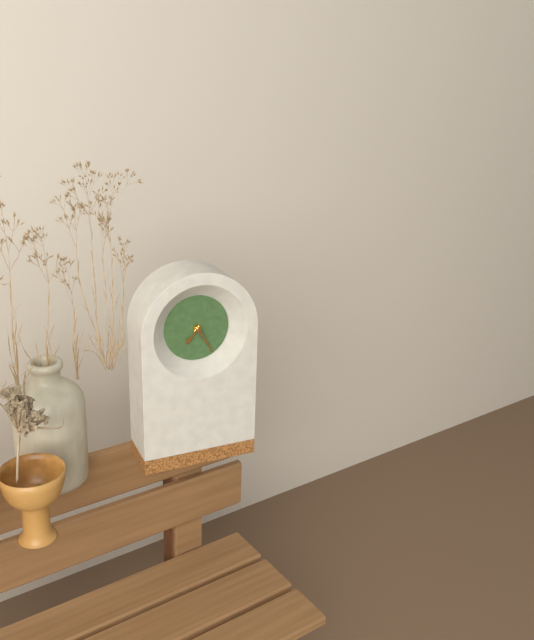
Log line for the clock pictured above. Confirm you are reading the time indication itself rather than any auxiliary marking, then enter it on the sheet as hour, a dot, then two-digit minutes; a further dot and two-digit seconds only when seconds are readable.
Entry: 7.25
